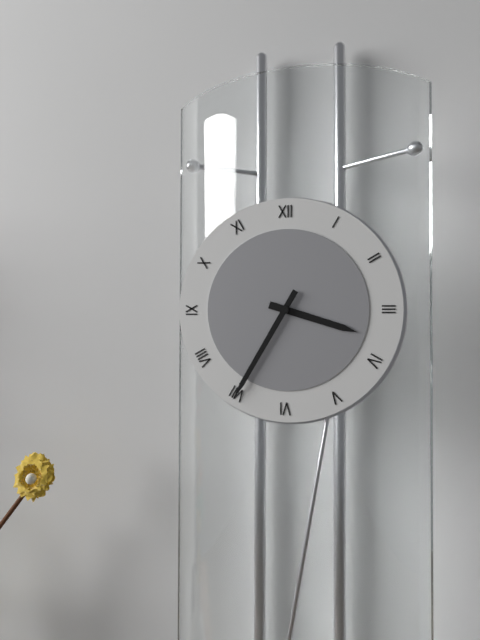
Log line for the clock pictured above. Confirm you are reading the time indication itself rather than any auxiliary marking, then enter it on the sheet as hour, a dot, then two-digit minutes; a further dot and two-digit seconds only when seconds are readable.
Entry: 3.35
